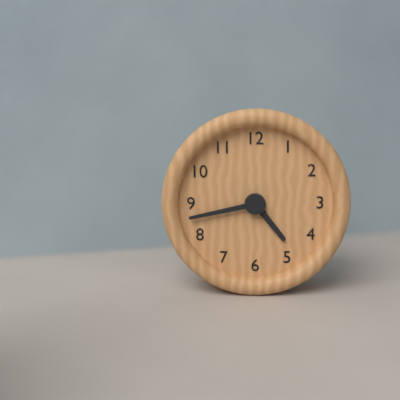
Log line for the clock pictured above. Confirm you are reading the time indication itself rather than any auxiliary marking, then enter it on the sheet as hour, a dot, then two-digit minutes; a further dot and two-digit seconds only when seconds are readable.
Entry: 4.43
